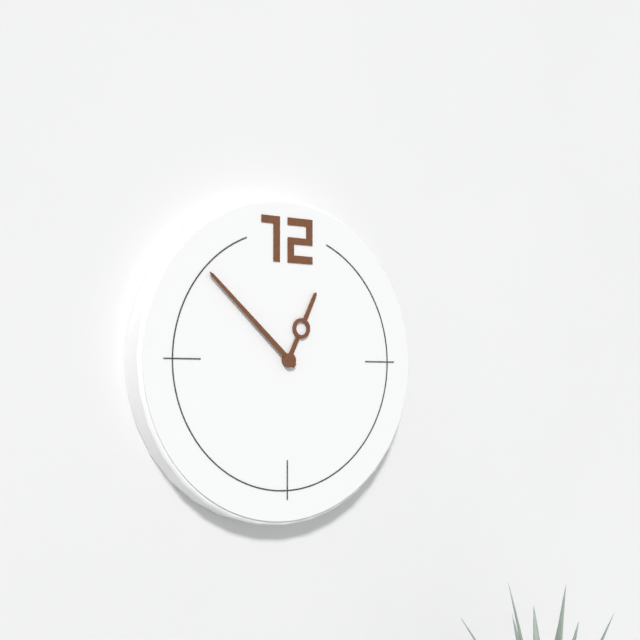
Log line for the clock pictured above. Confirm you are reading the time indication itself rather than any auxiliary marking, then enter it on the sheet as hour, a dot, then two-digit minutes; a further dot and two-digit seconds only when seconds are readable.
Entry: 12.52
